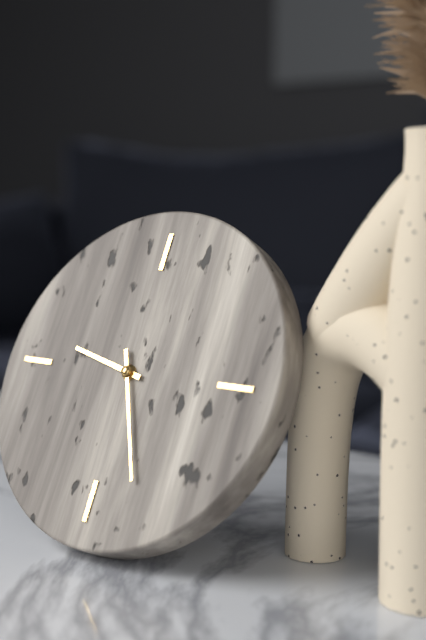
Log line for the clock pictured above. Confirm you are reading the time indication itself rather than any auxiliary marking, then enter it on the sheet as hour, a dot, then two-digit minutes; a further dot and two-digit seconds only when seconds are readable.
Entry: 9.26
